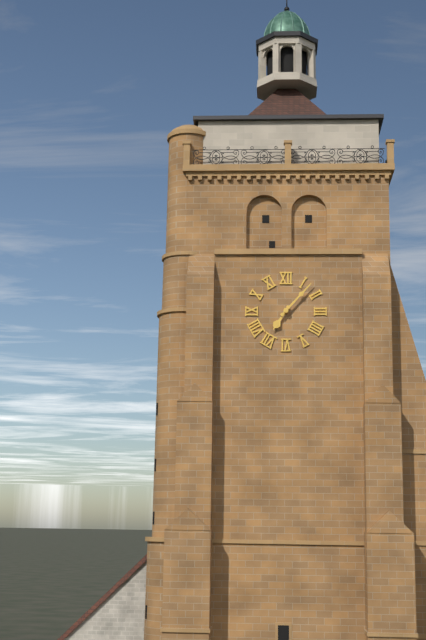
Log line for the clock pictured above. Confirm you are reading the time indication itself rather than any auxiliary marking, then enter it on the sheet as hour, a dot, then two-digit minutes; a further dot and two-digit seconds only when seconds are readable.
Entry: 7.07
